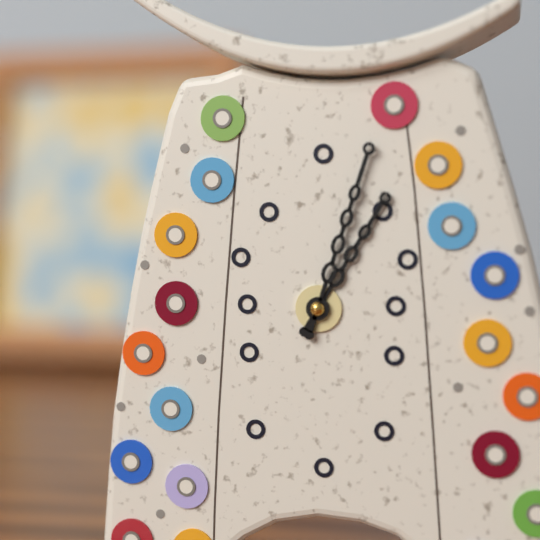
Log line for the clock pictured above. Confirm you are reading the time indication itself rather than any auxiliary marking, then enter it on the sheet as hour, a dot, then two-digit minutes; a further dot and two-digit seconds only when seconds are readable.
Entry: 1.03
